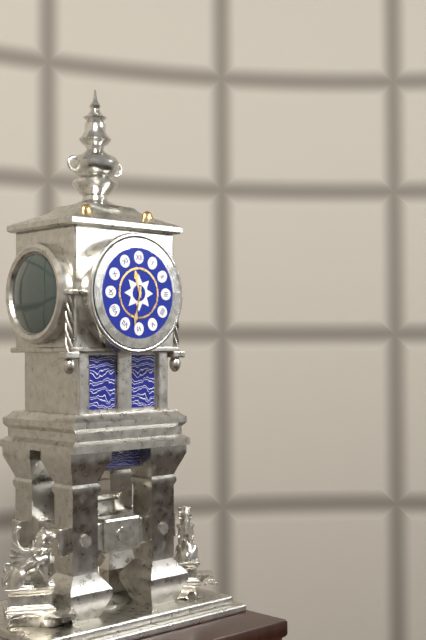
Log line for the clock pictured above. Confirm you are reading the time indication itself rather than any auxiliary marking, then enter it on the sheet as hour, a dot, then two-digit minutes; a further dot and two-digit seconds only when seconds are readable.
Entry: 11.32
